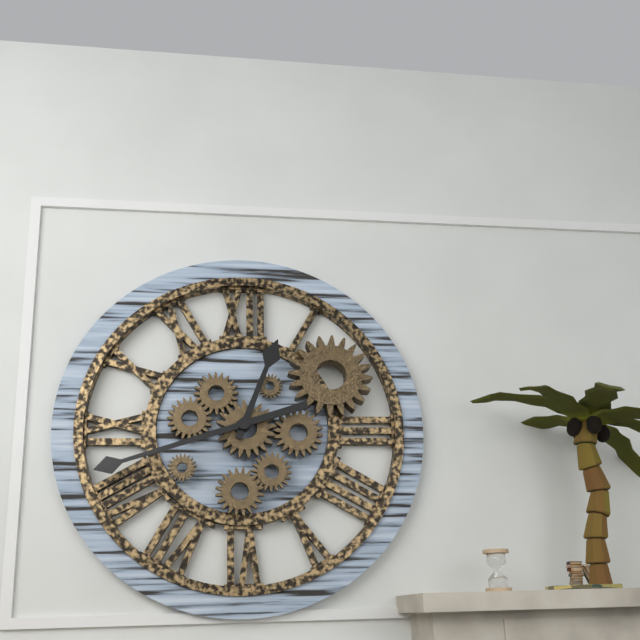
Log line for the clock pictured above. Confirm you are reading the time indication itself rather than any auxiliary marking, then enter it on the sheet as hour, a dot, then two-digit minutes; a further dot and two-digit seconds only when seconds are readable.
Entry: 12.42
